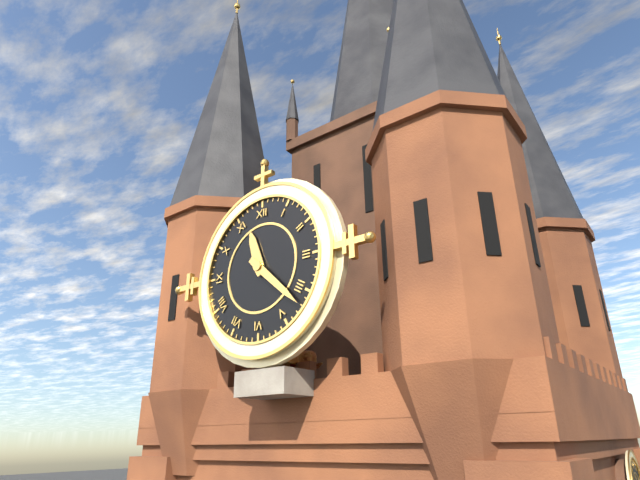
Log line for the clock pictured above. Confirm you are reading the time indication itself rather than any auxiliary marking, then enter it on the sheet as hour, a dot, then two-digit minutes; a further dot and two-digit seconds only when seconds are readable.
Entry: 11.22
